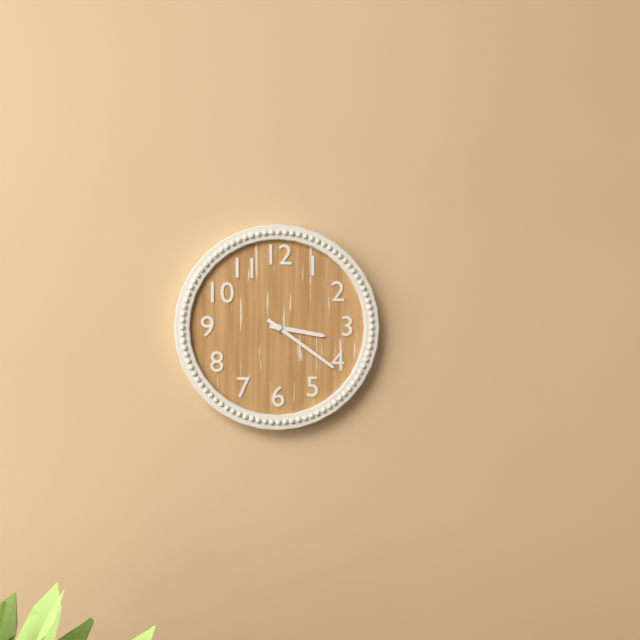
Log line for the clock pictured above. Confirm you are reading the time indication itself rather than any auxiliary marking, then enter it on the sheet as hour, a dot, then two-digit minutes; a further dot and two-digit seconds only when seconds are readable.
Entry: 3.21
